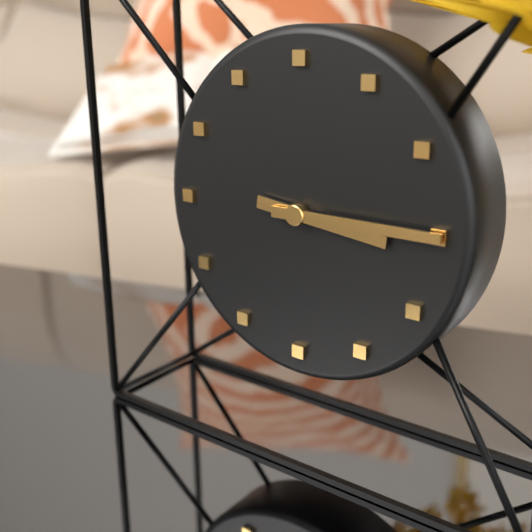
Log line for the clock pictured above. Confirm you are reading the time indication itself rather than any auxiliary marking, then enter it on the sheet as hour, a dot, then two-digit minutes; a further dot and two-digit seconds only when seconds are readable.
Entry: 3.15
